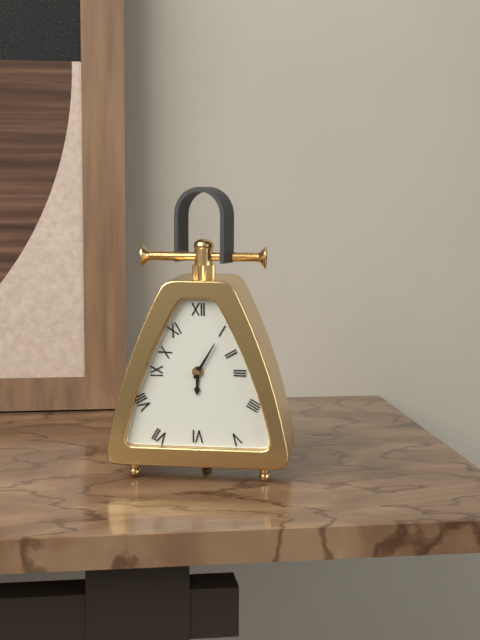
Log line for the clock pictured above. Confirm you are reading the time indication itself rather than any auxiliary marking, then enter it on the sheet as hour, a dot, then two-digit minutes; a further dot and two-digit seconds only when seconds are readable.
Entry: 6.05
